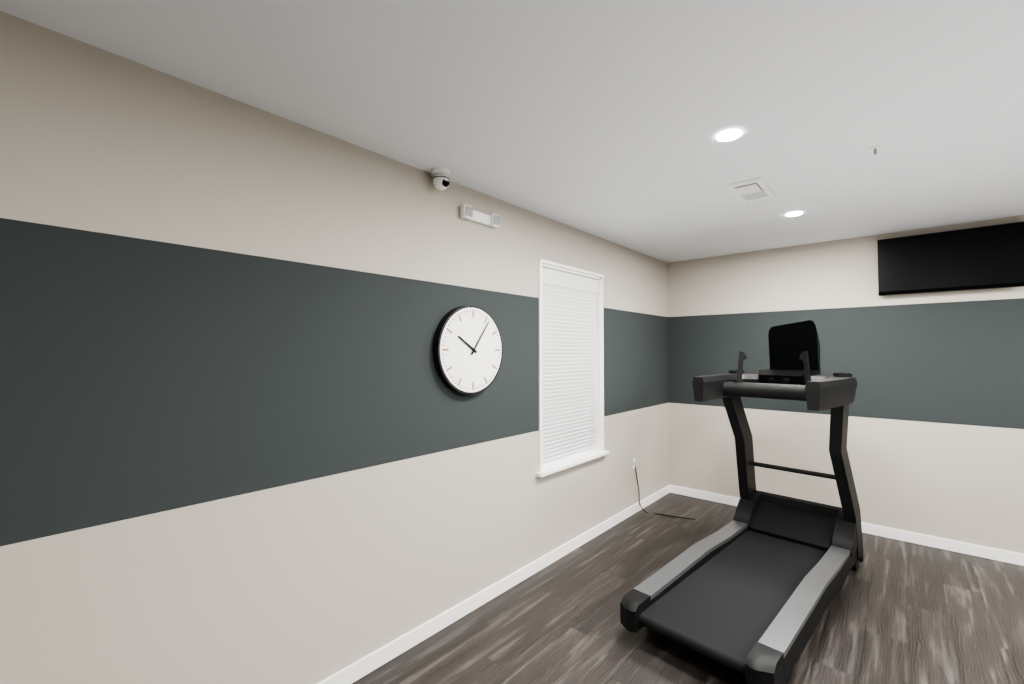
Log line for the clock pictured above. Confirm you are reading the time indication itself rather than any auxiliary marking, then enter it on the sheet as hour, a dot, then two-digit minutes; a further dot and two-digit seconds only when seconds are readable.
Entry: 10.06
